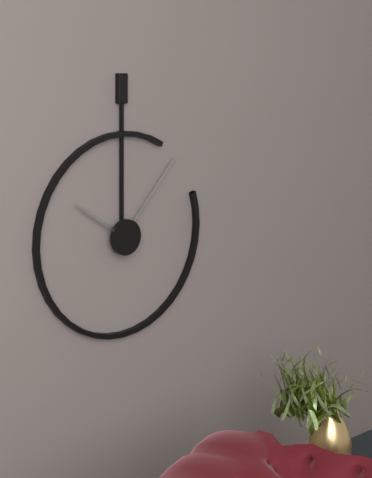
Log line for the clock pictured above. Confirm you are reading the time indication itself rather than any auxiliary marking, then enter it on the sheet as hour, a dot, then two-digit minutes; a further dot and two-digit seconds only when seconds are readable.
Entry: 10.07
